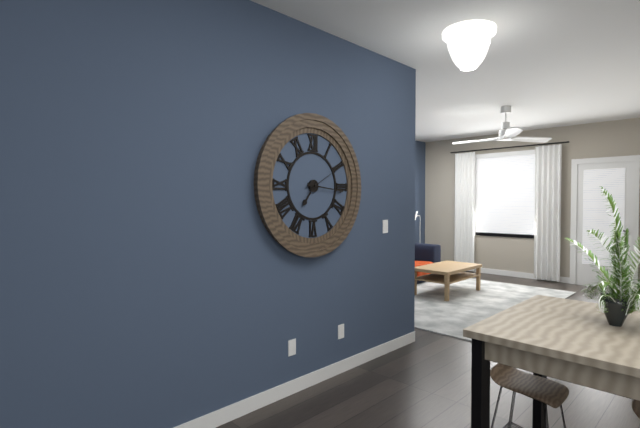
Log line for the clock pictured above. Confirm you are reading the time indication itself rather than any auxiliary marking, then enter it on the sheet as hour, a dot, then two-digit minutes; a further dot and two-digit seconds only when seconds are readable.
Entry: 7.16
